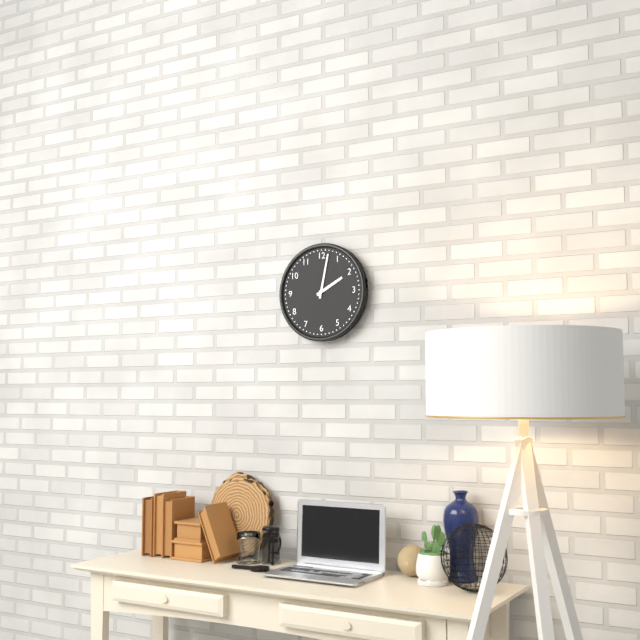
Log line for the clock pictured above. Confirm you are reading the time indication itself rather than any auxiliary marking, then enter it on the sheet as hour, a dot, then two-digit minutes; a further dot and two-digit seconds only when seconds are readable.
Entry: 2.02
